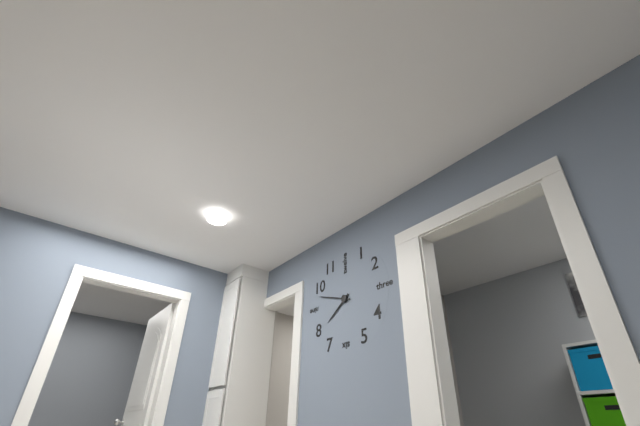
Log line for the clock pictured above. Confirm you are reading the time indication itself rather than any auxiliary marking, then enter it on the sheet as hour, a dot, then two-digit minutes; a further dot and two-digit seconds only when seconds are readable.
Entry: 7.48
